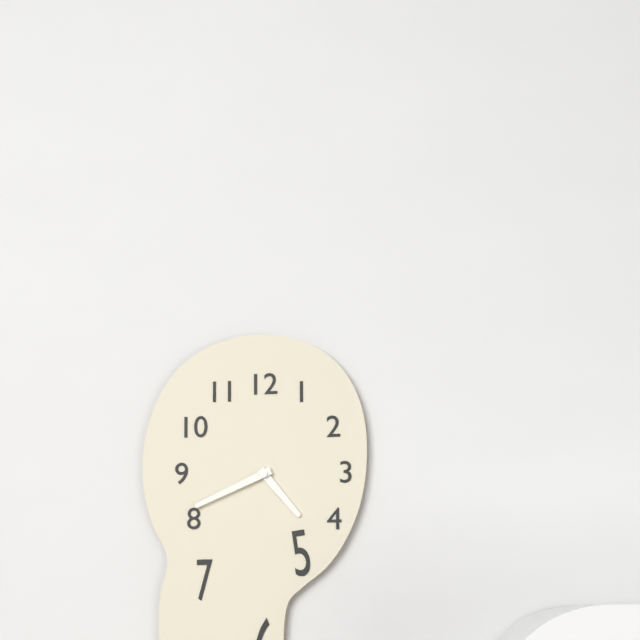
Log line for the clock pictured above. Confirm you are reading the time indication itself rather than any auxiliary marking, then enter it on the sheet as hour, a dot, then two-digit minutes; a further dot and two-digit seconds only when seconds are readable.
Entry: 4.41
